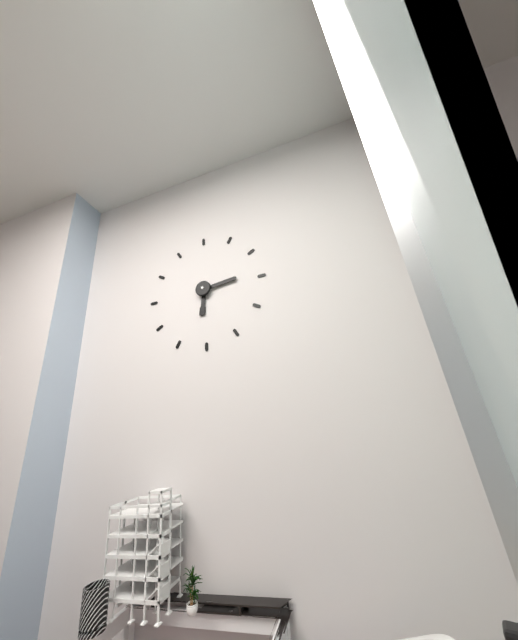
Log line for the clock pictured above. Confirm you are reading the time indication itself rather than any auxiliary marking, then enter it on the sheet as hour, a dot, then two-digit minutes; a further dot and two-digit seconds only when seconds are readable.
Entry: 6.14
